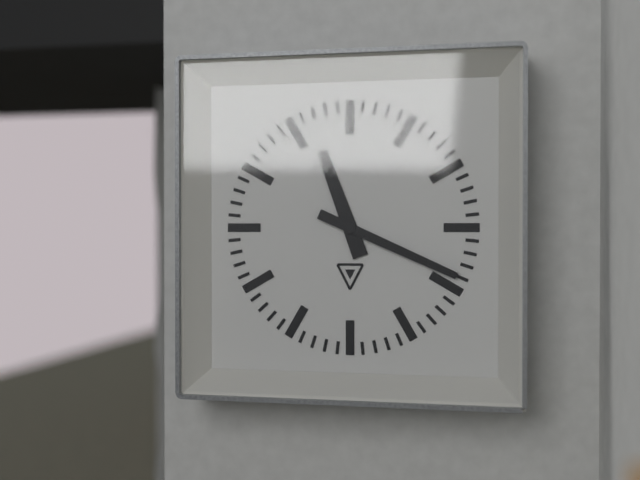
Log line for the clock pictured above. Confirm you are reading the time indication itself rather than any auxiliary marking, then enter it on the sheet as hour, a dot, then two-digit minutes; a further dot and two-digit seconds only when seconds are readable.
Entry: 11.19
